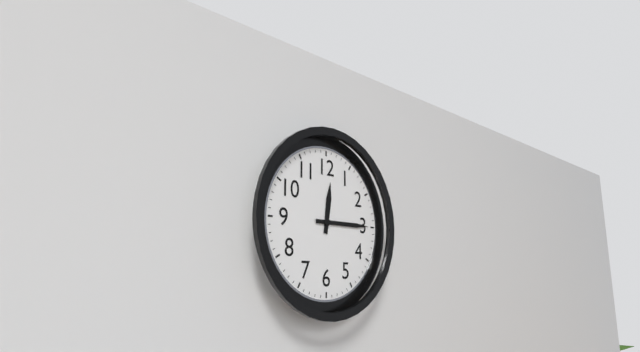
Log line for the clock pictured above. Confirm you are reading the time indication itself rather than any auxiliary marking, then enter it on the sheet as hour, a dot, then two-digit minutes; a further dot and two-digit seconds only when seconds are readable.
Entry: 12.15
